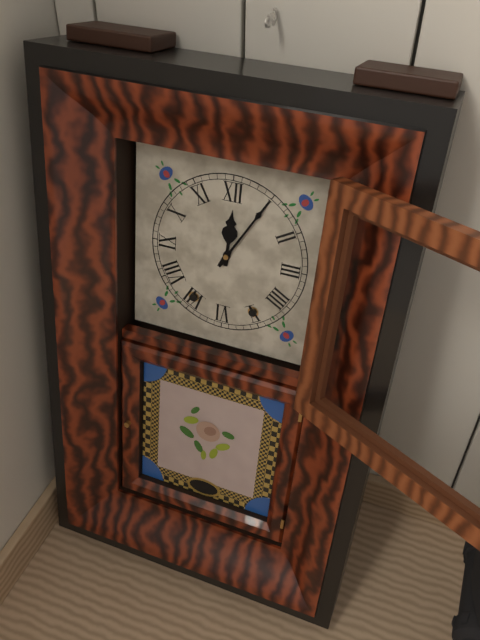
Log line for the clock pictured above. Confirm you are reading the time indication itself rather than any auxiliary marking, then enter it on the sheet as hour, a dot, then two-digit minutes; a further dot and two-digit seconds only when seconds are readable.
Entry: 12.05
